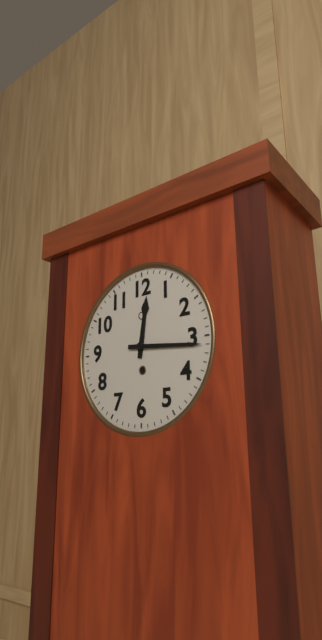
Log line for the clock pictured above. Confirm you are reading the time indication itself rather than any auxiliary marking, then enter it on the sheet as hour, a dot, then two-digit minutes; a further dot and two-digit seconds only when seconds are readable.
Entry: 12.16
